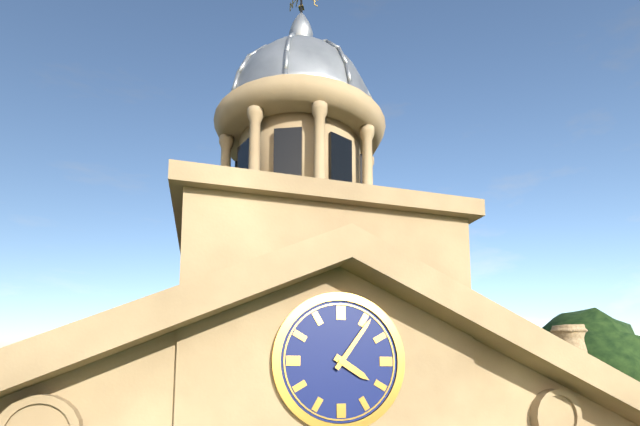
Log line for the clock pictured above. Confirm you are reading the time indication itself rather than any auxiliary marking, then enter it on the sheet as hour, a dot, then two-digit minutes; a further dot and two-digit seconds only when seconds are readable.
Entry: 4.06
